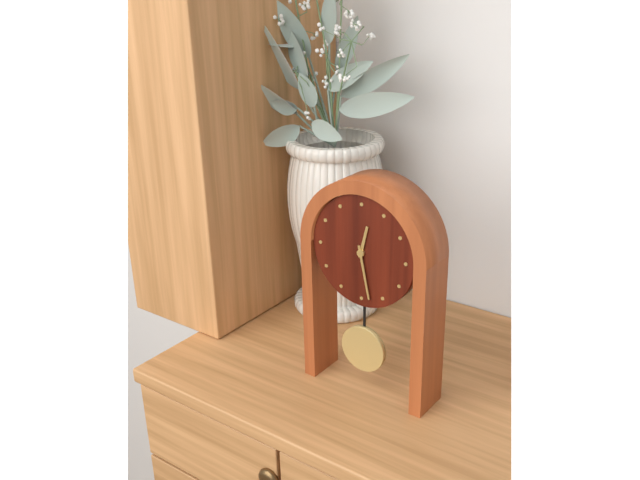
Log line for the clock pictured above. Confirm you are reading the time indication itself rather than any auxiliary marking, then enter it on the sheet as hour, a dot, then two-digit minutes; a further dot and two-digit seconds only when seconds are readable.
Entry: 12.28
